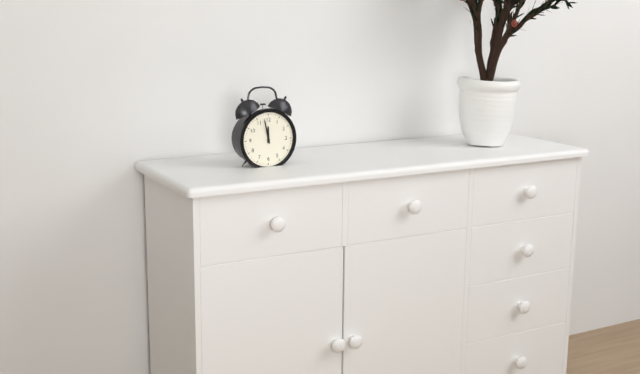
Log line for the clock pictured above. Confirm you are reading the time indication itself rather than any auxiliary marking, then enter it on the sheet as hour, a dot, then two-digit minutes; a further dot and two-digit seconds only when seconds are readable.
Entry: 11.58
